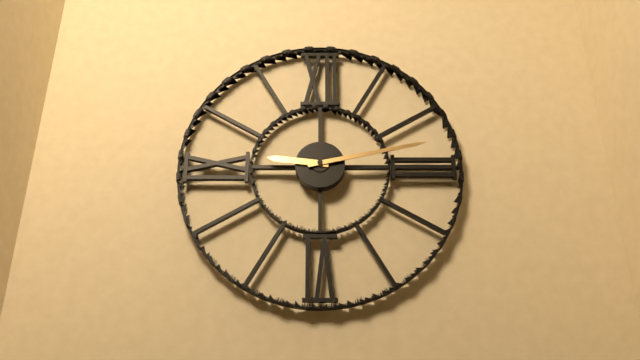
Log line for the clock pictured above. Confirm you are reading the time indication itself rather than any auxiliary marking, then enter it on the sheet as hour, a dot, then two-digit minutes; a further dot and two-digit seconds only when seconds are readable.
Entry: 9.13
